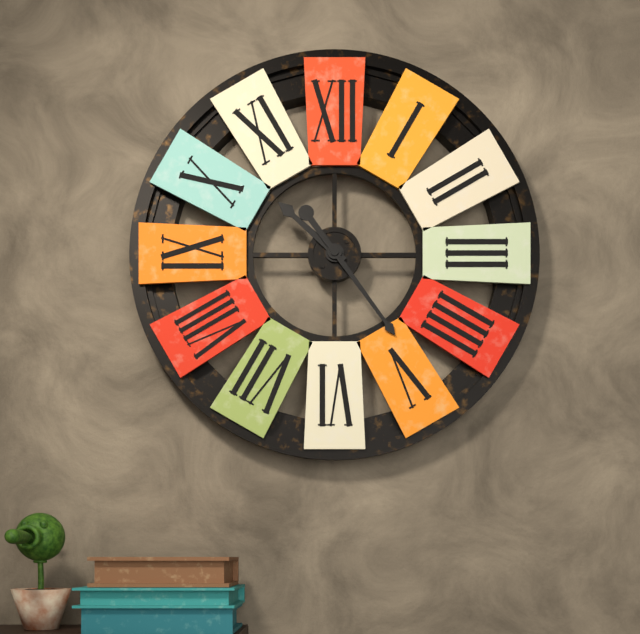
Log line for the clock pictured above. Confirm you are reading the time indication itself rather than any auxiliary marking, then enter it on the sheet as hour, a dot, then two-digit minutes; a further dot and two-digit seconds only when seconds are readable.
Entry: 10.24
